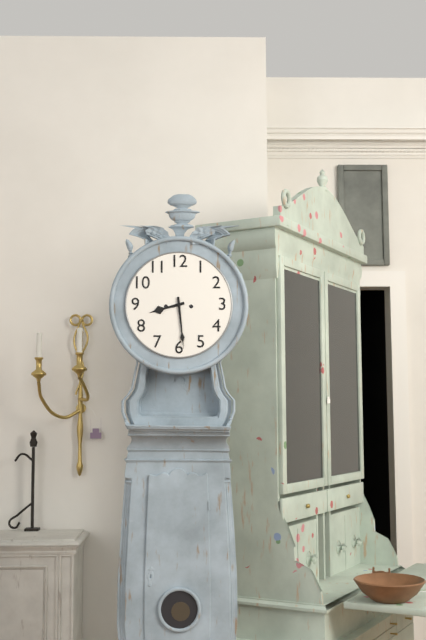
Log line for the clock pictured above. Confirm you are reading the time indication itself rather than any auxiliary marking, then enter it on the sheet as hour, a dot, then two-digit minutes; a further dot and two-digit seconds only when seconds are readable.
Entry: 8.29
